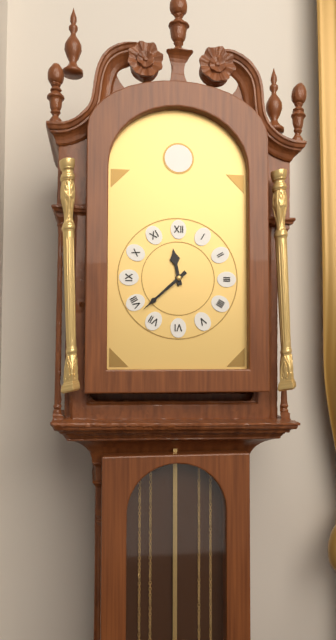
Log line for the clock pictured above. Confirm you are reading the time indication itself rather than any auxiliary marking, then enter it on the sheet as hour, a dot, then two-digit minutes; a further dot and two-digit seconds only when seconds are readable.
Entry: 11.38
